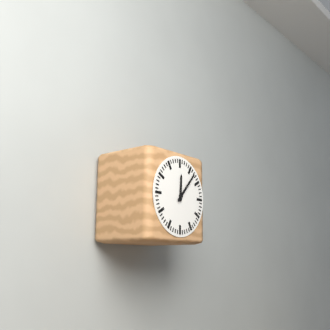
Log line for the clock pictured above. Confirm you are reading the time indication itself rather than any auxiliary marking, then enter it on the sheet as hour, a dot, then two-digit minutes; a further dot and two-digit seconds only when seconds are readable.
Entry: 12.07
